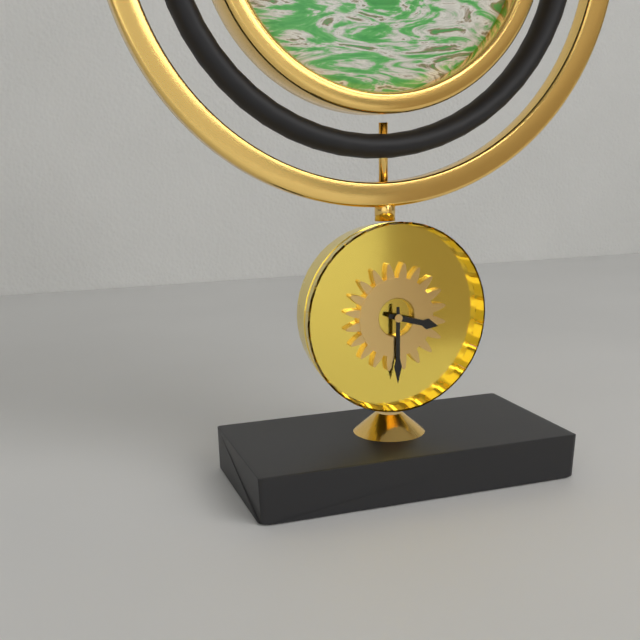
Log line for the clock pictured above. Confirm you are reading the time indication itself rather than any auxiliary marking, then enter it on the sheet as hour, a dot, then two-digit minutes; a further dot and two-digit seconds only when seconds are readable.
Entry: 3.30
